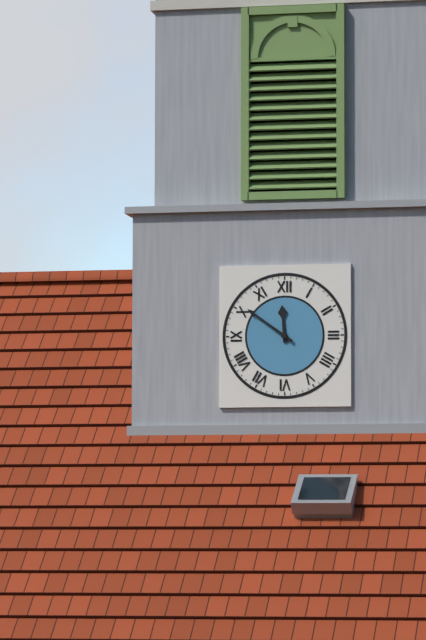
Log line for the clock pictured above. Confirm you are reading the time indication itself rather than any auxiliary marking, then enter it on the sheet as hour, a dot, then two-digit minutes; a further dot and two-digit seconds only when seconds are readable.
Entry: 11.51
